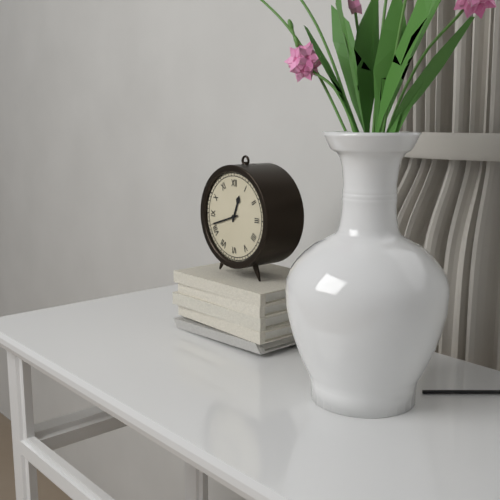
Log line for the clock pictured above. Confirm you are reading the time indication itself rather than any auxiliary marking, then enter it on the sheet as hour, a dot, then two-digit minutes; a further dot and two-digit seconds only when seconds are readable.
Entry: 12.42
